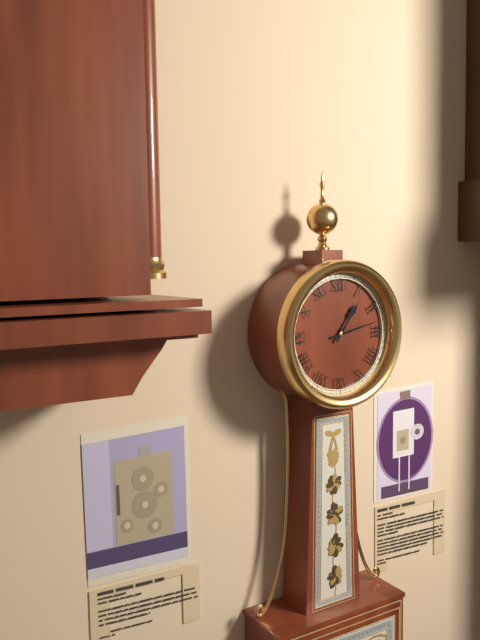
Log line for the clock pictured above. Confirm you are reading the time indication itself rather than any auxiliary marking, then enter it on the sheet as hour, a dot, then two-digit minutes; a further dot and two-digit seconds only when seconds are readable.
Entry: 1.13
